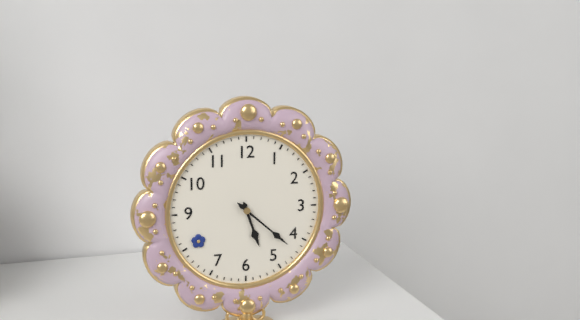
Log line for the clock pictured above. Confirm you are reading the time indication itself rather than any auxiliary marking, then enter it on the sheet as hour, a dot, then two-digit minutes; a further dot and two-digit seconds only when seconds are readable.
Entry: 5.22
